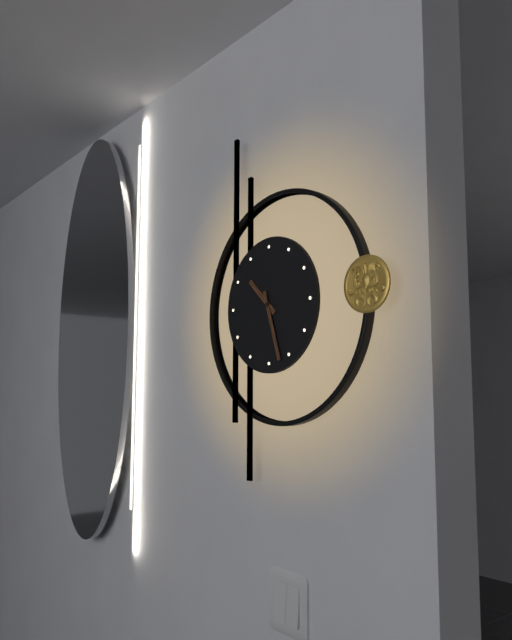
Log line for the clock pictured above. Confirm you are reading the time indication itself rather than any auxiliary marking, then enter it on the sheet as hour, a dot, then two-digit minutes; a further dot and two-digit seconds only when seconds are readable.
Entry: 10.27
